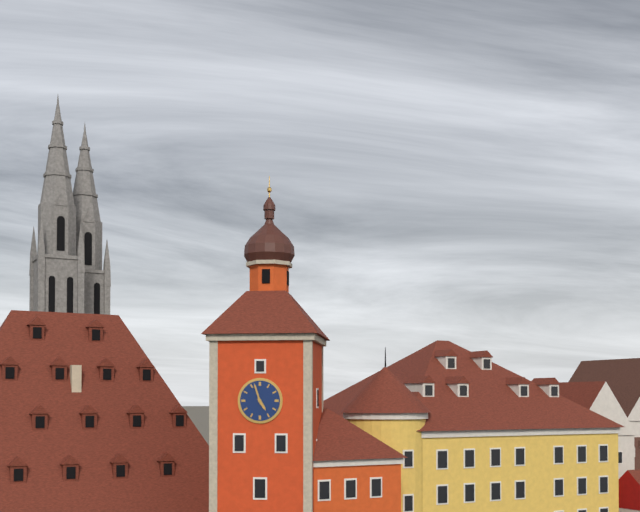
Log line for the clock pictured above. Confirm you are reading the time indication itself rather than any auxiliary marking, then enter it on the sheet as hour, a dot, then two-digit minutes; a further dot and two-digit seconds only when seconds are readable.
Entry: 4.57
